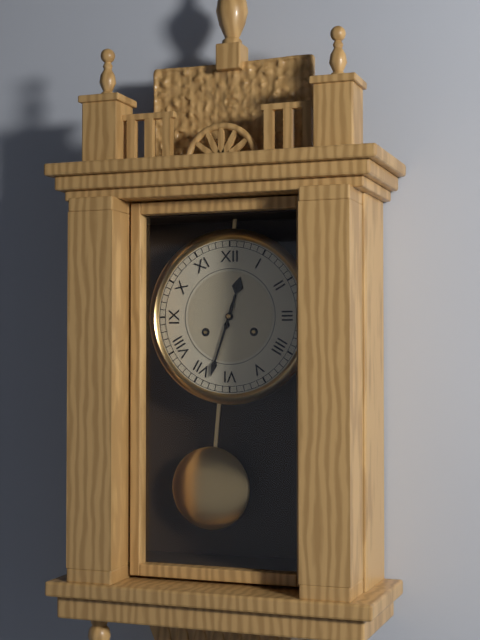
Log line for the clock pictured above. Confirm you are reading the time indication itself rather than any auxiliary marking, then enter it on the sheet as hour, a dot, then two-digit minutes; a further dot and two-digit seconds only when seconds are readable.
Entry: 12.33
